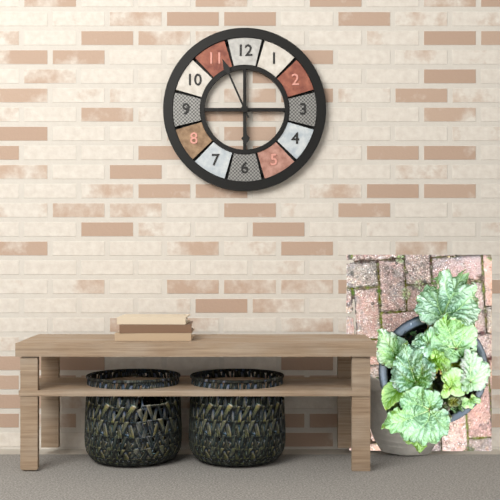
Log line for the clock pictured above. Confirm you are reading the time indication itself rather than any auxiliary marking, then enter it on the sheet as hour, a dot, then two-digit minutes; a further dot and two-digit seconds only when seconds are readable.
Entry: 5.56
